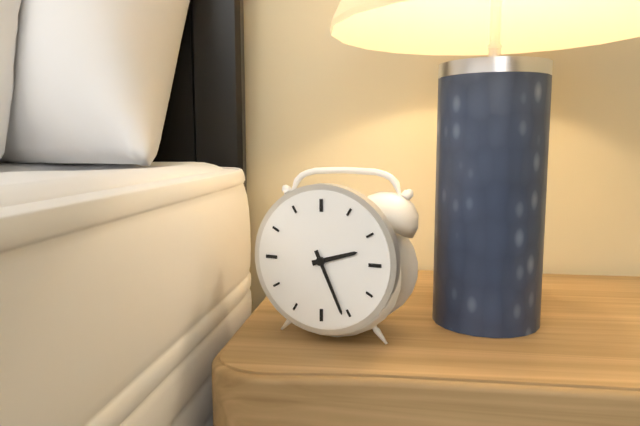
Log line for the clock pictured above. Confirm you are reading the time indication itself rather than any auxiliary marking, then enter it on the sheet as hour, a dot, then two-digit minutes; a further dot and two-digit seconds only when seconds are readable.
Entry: 2.26
